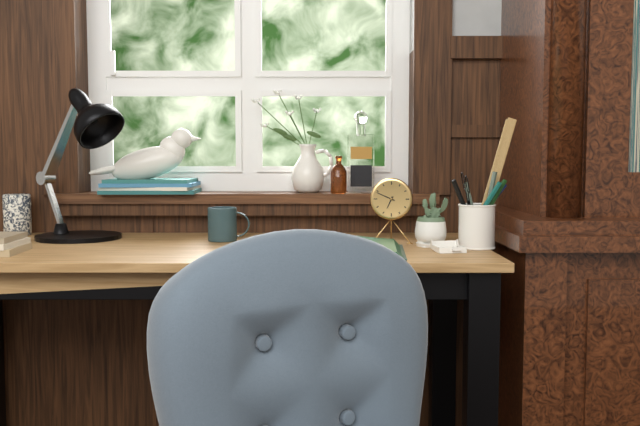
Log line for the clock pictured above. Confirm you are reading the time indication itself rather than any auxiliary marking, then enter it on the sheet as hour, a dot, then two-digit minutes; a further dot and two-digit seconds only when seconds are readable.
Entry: 6.49
